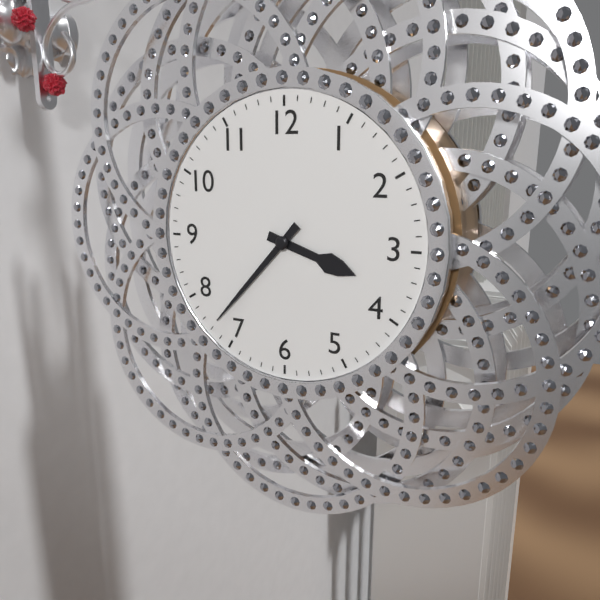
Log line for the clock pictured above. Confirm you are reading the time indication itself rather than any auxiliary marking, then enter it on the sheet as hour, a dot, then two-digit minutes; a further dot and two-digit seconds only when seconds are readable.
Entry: 3.37
